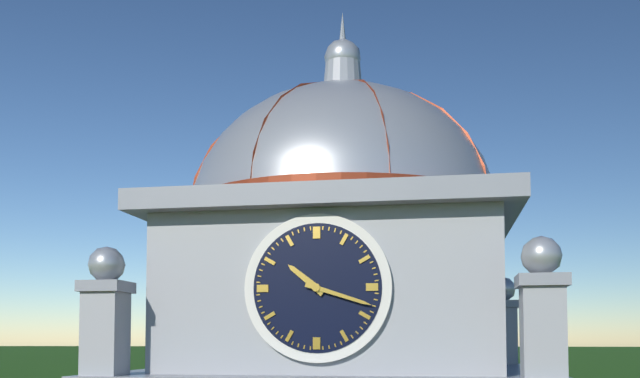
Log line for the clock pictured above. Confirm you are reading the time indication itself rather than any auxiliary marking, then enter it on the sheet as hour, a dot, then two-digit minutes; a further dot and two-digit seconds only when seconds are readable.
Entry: 10.18
